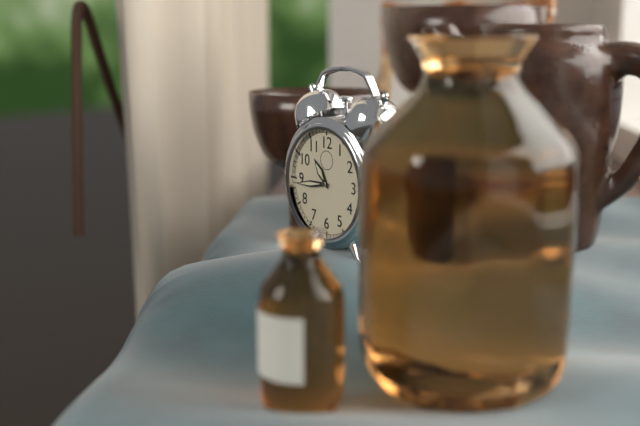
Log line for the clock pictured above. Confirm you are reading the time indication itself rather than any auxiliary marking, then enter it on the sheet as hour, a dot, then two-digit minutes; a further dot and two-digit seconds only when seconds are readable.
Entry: 10.44
